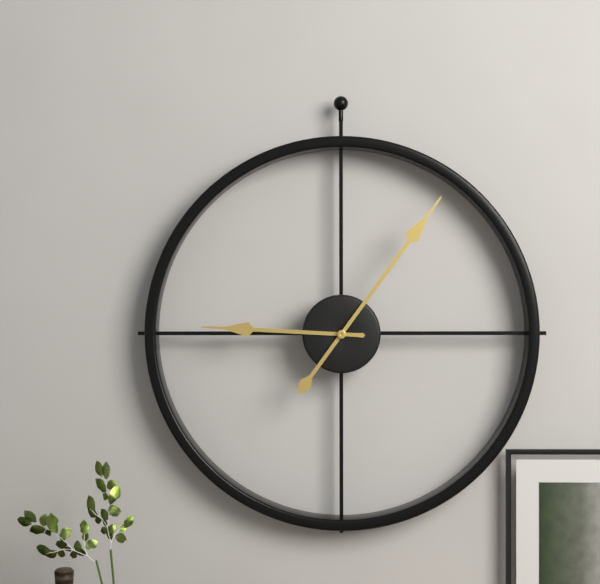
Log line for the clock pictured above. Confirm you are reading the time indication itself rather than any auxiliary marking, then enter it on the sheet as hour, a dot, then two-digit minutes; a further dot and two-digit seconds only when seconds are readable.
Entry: 9.06
